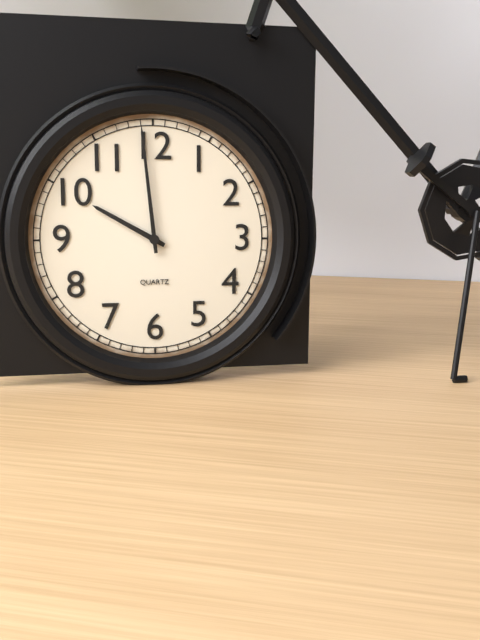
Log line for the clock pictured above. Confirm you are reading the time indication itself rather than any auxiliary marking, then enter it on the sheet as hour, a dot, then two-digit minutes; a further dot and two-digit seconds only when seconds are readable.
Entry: 9.59
